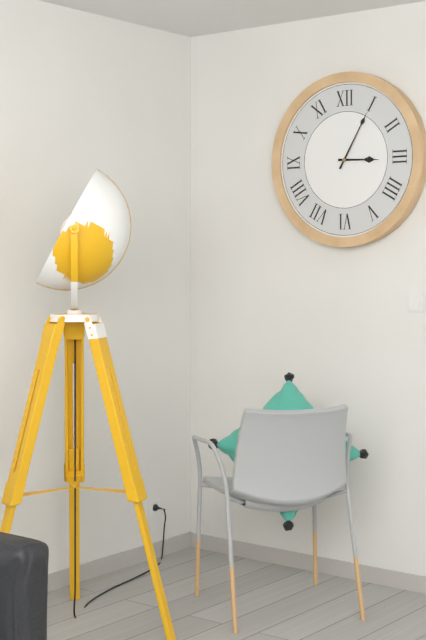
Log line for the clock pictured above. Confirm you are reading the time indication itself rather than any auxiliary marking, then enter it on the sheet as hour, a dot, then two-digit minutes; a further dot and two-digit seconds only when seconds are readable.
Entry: 3.05
